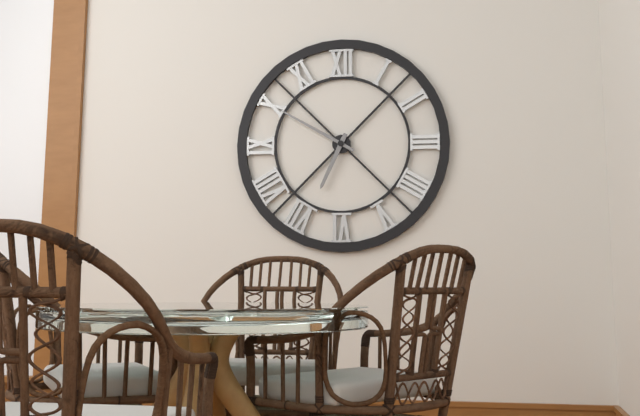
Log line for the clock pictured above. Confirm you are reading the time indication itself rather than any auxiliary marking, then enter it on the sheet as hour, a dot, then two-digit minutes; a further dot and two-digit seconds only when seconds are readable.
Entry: 6.50
